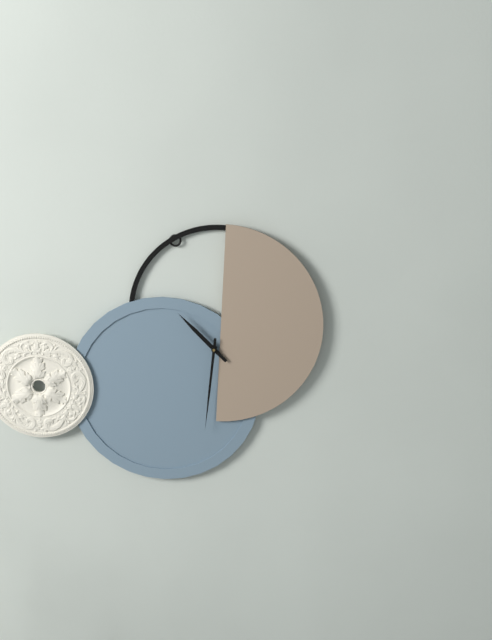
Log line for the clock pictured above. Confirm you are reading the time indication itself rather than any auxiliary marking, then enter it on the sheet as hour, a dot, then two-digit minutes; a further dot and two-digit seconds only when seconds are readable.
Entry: 10.31
